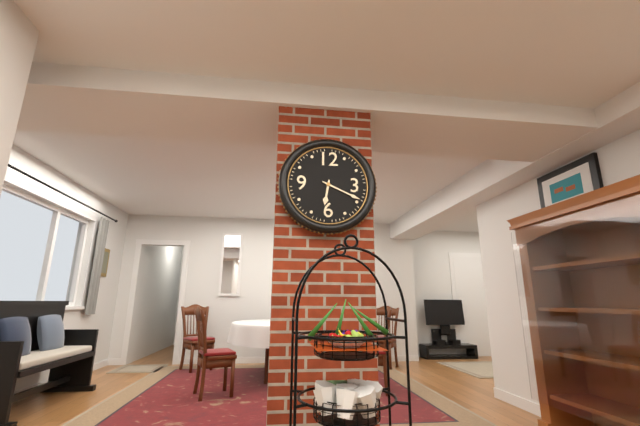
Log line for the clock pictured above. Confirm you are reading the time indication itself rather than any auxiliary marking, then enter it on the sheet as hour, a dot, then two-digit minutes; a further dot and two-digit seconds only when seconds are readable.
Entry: 6.19
